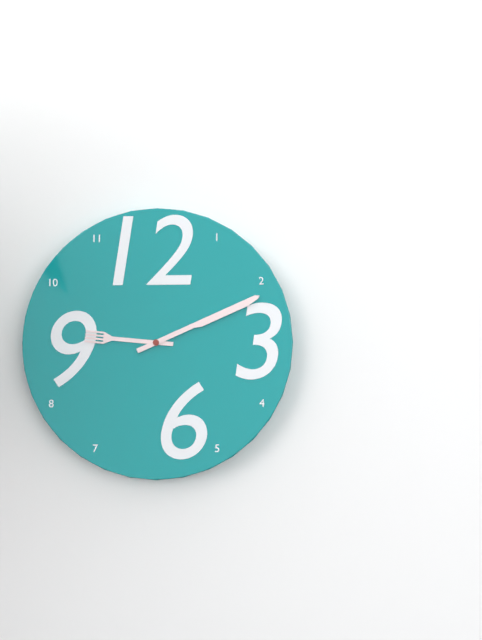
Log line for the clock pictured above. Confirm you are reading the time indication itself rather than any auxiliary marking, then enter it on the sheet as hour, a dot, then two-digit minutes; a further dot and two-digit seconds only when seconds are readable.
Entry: 9.11
